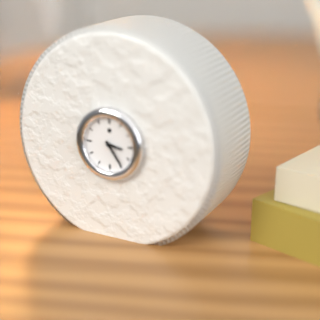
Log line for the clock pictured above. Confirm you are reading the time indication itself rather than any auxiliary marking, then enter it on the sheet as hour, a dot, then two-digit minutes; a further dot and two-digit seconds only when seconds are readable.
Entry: 3.24
